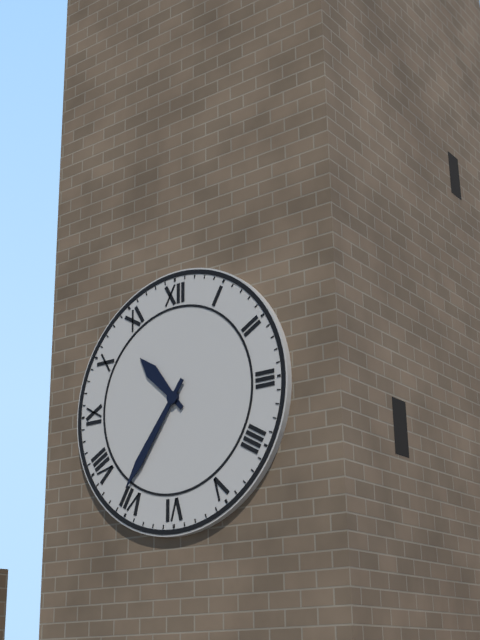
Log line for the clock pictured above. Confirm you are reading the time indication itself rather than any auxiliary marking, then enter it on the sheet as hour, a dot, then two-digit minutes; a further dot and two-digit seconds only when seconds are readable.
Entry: 10.36
